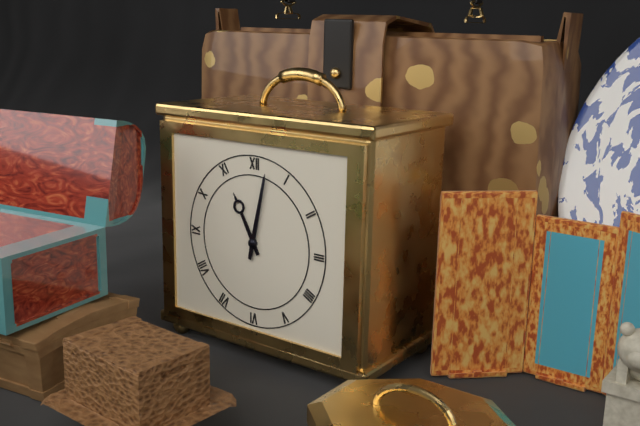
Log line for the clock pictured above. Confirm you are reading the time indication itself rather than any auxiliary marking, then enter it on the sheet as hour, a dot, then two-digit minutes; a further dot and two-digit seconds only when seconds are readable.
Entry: 11.02
